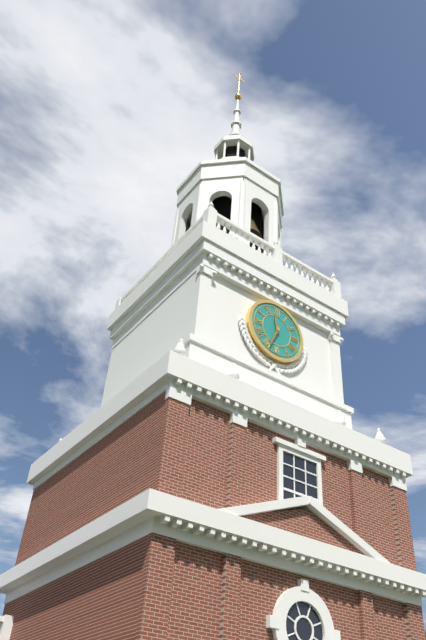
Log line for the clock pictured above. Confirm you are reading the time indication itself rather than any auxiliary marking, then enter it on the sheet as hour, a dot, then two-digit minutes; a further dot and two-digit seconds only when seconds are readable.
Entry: 11.34
